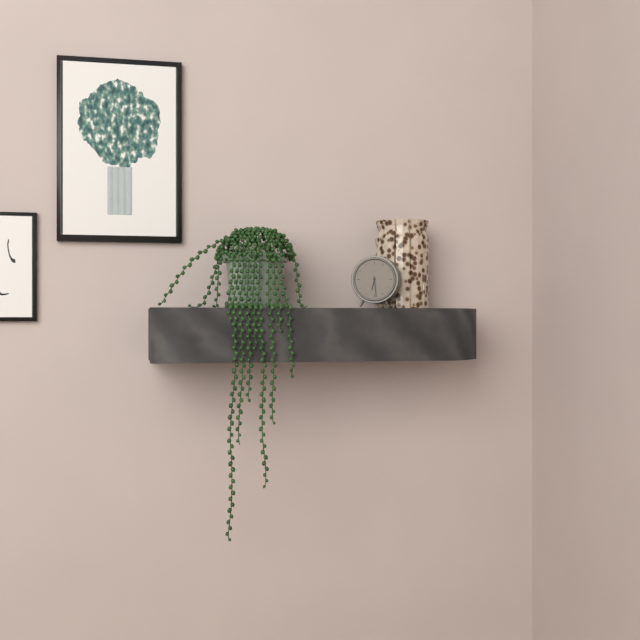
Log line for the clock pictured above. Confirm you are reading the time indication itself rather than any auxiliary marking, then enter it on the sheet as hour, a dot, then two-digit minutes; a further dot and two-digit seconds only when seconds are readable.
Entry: 6.29
